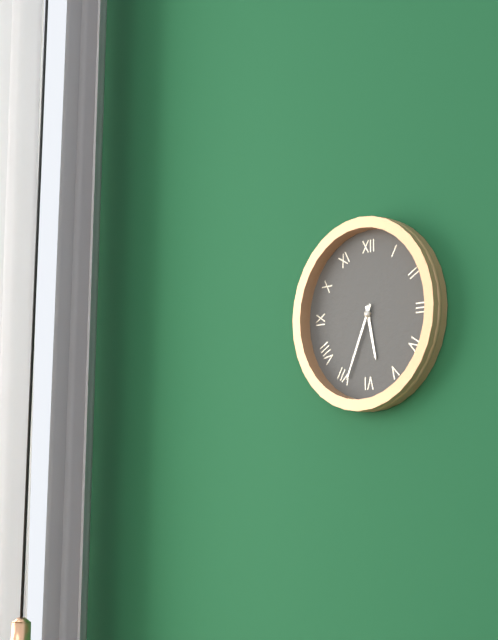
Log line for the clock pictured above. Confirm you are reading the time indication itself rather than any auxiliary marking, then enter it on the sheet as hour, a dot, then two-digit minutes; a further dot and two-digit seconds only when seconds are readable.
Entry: 5.34
